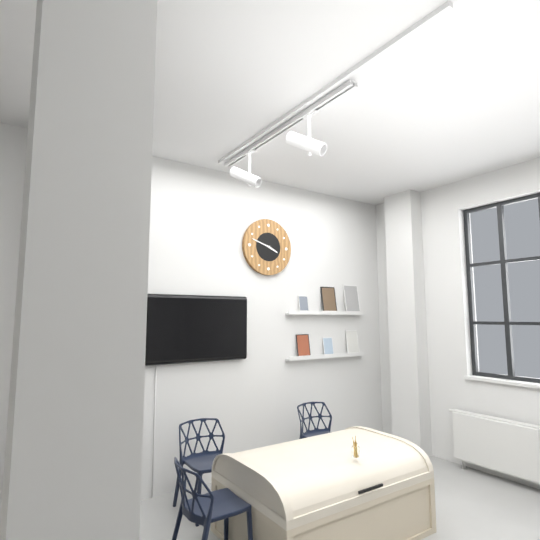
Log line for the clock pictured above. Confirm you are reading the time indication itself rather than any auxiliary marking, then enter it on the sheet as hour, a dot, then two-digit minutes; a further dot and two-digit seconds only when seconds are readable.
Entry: 3.48
